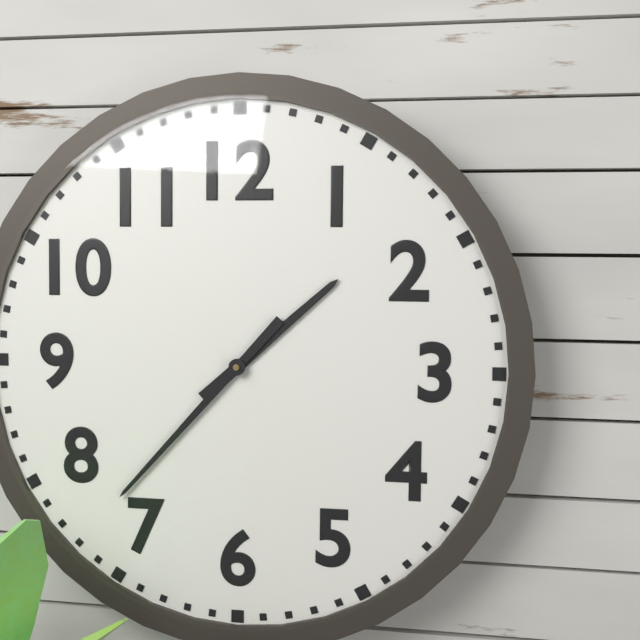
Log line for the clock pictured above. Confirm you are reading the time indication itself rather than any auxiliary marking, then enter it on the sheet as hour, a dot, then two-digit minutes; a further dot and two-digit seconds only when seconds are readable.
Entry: 1.37
